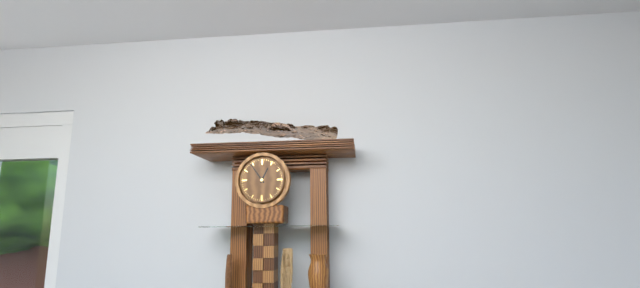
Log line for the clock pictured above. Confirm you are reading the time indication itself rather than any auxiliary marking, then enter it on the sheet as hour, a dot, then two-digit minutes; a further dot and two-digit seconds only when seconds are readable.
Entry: 12.54
